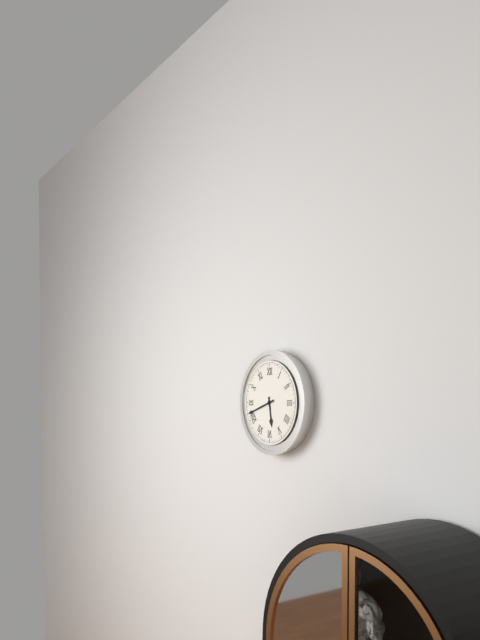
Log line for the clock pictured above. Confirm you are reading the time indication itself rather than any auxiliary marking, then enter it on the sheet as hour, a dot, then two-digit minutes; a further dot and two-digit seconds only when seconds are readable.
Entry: 5.42
